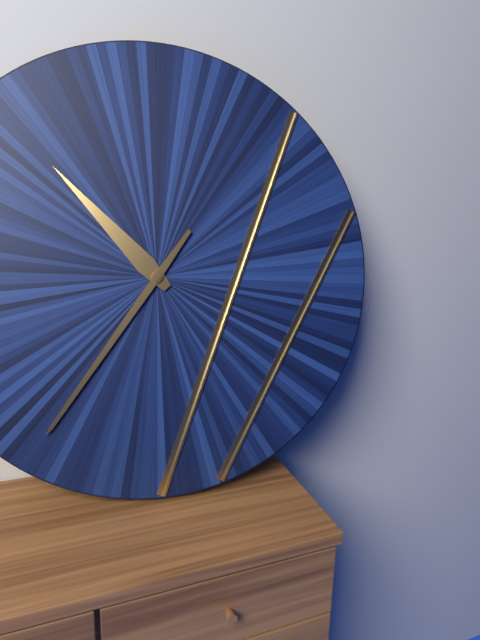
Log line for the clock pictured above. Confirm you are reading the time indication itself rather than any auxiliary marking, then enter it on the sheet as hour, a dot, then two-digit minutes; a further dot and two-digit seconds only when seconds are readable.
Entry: 10.36
